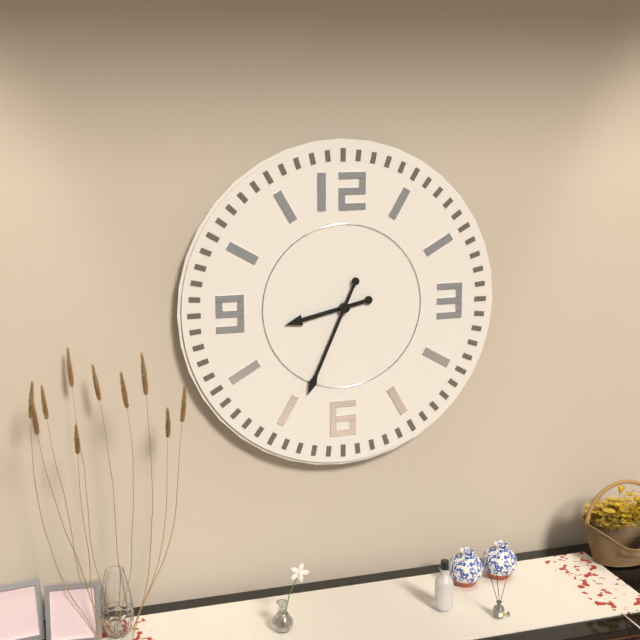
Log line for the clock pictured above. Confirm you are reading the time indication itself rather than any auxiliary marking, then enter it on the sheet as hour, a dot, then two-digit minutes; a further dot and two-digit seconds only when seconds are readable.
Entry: 8.34
